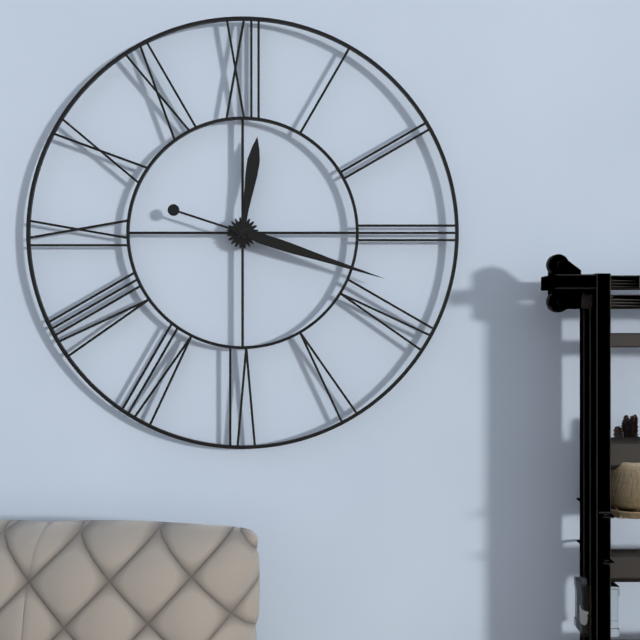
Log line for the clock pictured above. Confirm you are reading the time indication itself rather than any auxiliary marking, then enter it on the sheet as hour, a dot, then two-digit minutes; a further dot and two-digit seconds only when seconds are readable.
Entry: 12.18
